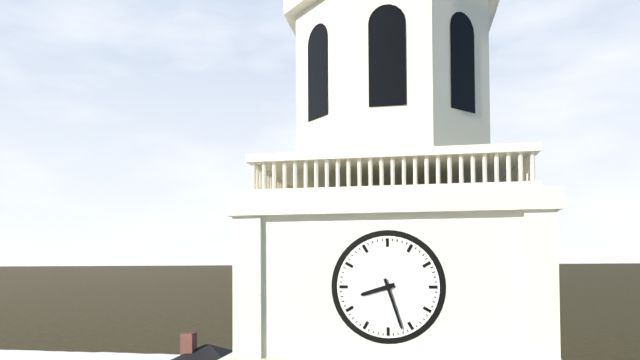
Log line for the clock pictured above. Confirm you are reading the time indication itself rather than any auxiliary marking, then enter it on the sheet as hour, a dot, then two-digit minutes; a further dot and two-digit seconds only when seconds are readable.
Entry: 8.27
